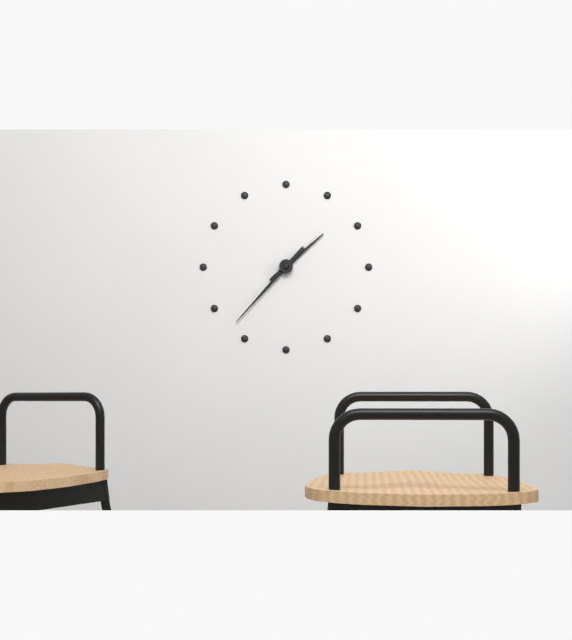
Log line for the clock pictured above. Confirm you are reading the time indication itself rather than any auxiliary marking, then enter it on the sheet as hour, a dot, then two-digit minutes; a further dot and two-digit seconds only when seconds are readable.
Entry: 1.37
